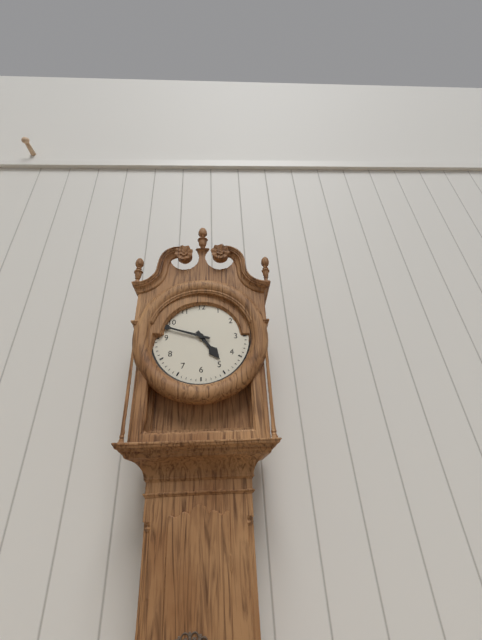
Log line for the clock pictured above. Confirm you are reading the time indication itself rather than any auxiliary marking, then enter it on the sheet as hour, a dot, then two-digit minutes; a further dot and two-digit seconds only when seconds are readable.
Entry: 4.48
